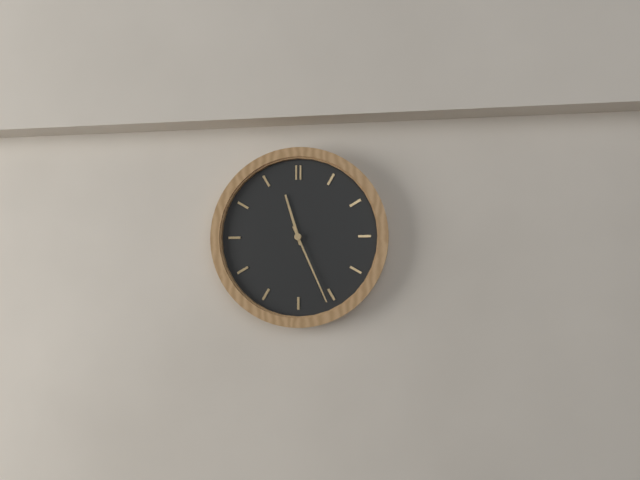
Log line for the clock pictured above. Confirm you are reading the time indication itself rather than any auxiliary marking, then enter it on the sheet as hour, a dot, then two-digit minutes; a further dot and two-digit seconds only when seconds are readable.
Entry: 11.26
